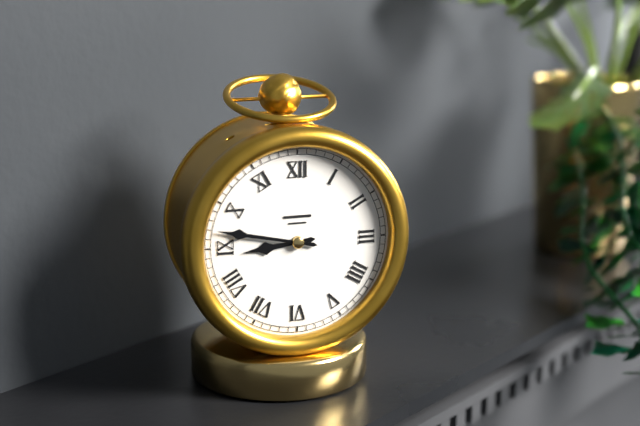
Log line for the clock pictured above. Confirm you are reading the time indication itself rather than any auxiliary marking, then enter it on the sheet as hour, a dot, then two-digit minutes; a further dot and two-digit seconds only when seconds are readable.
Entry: 8.47
